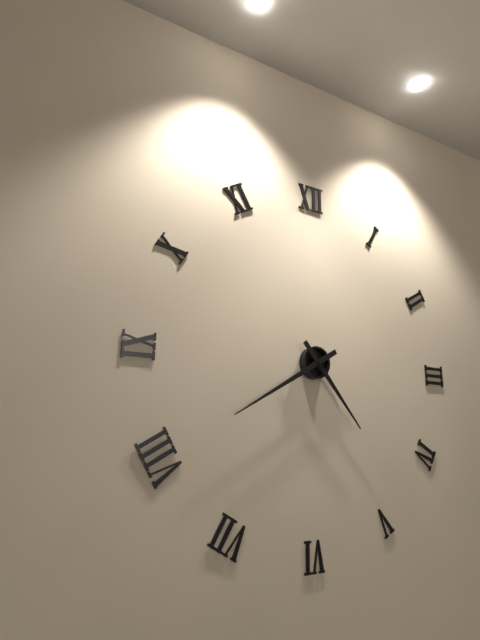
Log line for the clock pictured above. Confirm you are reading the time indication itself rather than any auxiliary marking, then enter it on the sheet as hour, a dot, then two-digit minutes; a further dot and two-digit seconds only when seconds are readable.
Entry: 4.40
